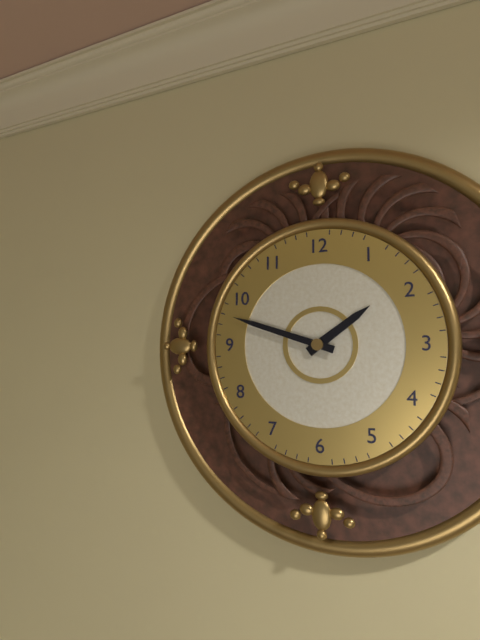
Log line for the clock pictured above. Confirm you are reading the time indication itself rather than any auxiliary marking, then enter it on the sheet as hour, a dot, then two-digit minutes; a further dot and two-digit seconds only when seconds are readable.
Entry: 1.48
